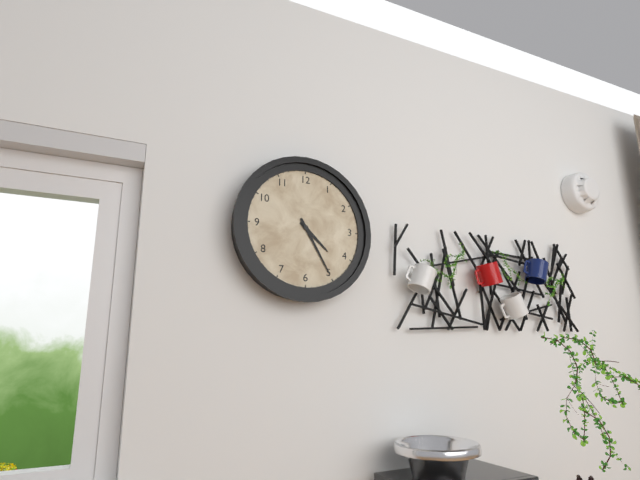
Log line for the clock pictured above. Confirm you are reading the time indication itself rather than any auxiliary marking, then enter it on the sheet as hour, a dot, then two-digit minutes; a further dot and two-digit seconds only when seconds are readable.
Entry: 4.25
